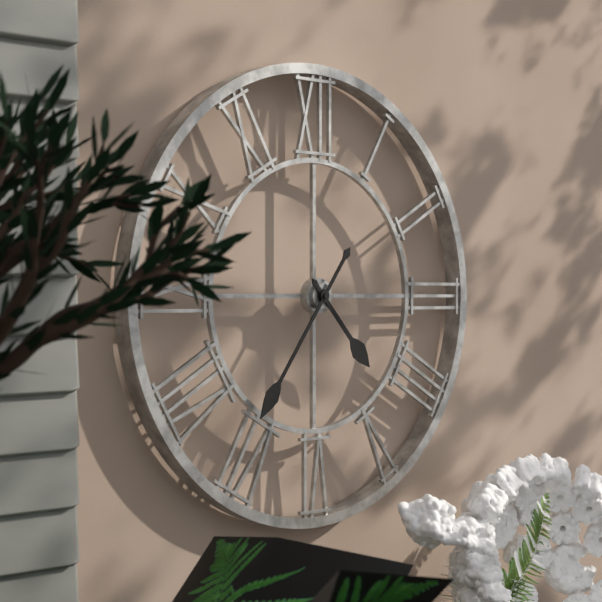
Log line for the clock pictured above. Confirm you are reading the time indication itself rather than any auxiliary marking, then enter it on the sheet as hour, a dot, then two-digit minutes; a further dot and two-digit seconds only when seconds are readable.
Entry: 4.36
